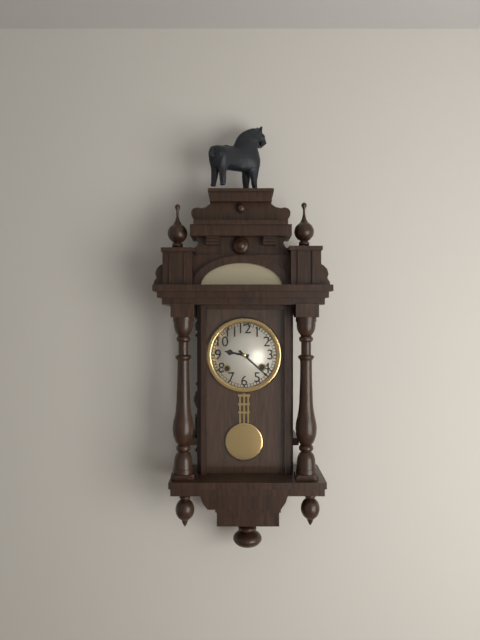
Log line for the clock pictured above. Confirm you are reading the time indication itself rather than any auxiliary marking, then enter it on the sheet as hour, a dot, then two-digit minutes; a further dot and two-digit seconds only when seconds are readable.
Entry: 9.22
